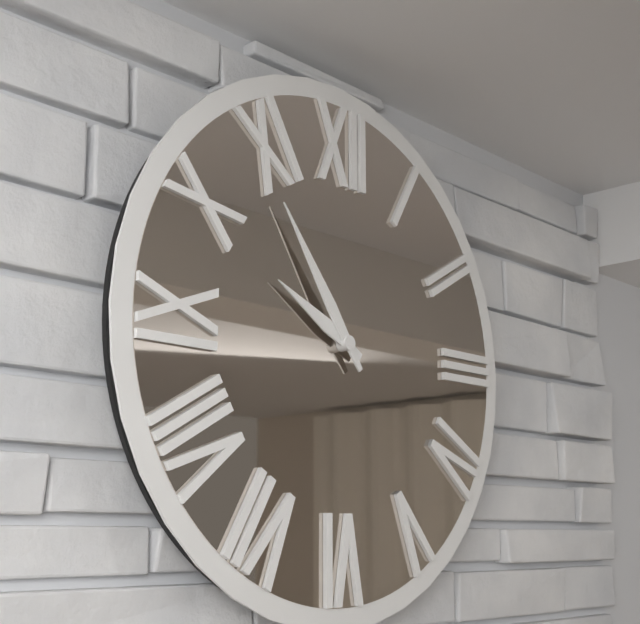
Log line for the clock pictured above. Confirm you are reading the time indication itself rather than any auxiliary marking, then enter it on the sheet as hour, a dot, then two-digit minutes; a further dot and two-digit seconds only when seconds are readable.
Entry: 9.54
